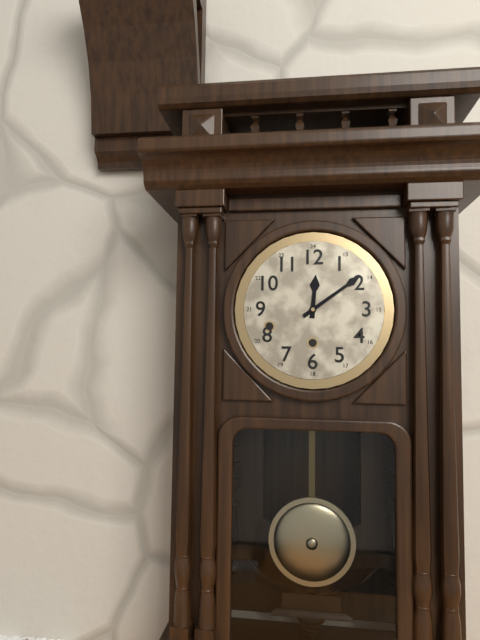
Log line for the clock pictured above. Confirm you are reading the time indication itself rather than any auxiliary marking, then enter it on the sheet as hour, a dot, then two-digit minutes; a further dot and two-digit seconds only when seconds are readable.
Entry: 12.09
